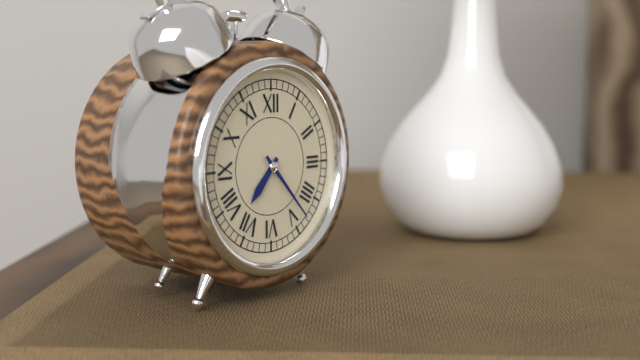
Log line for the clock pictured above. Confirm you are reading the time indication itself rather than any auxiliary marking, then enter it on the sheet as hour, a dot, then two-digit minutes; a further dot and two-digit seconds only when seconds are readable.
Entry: 7.23
